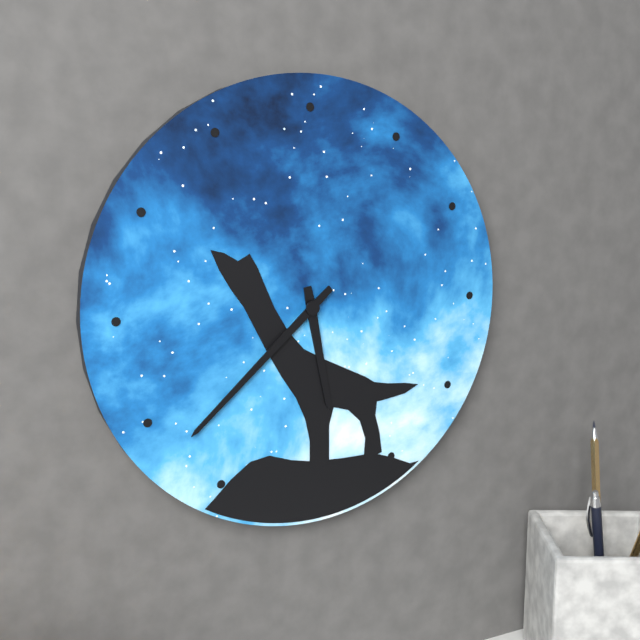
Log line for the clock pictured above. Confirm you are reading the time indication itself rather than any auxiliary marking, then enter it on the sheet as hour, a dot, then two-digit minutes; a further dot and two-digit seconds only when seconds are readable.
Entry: 5.38
